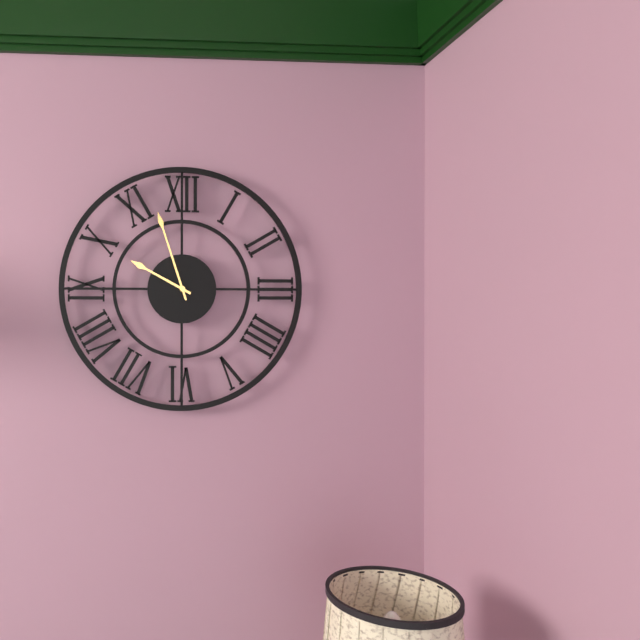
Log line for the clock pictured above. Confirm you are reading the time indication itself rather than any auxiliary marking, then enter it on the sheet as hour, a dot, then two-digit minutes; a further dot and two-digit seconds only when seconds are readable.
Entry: 9.57
